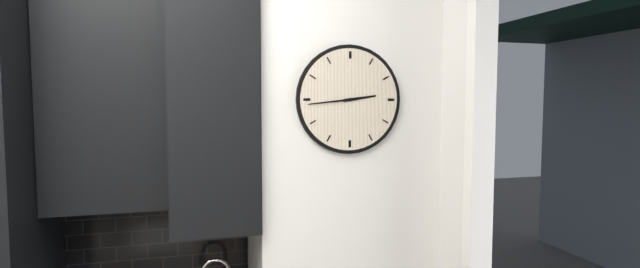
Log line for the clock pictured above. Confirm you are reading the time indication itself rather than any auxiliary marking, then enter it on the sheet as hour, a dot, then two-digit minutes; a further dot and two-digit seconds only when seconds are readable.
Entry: 2.44
